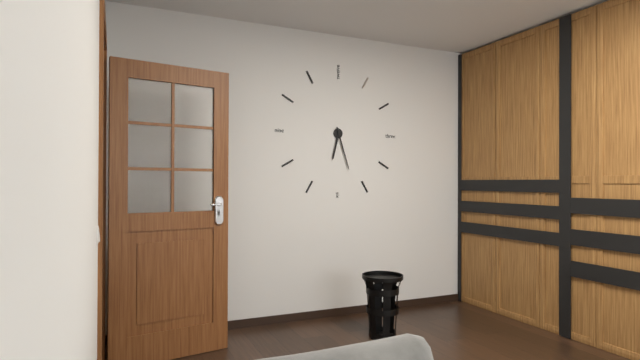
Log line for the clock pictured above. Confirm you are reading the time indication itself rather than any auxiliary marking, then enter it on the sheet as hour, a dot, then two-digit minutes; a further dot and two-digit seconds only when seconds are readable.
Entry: 6.27
